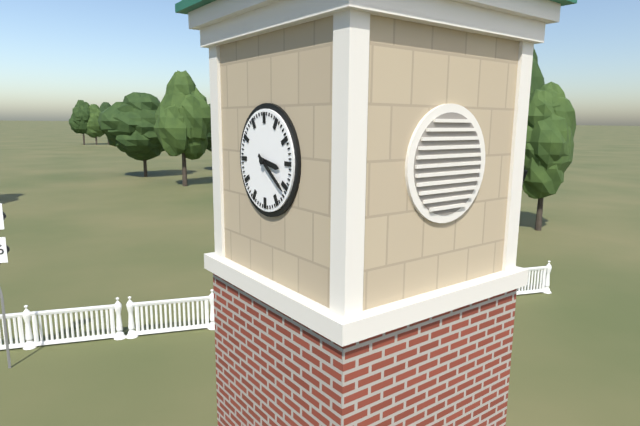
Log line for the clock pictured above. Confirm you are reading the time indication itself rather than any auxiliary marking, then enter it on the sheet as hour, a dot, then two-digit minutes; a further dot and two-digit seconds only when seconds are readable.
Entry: 3.21
